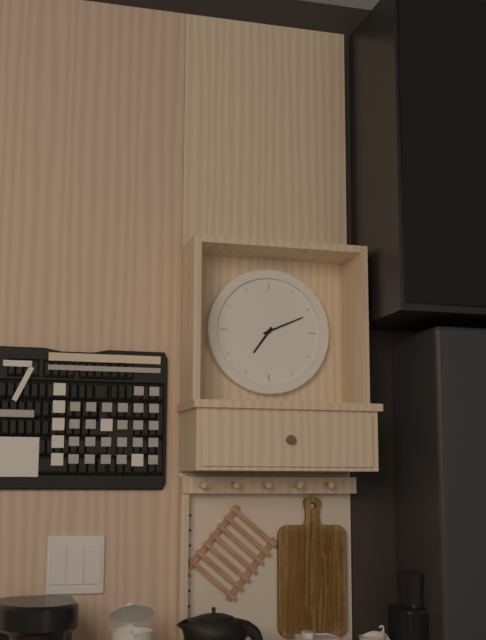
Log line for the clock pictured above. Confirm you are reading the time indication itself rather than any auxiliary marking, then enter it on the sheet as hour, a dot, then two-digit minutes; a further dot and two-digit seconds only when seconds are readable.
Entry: 7.11
